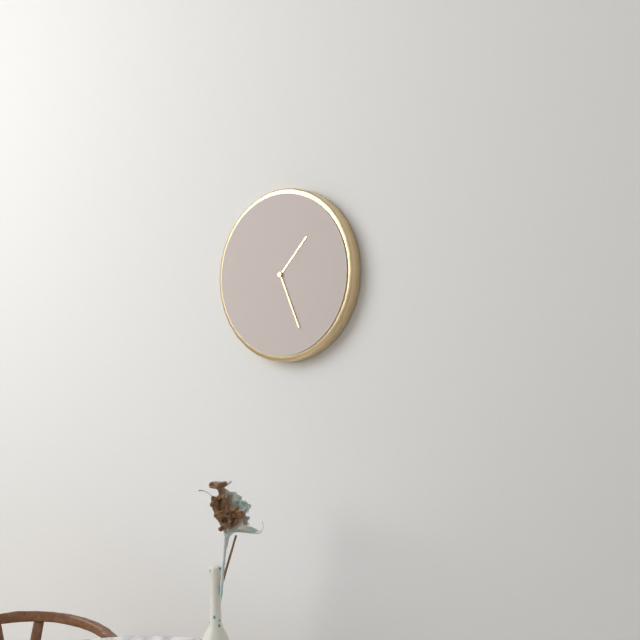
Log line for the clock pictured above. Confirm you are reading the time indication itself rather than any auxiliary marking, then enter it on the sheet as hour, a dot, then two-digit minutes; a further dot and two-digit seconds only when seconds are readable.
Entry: 1.26
